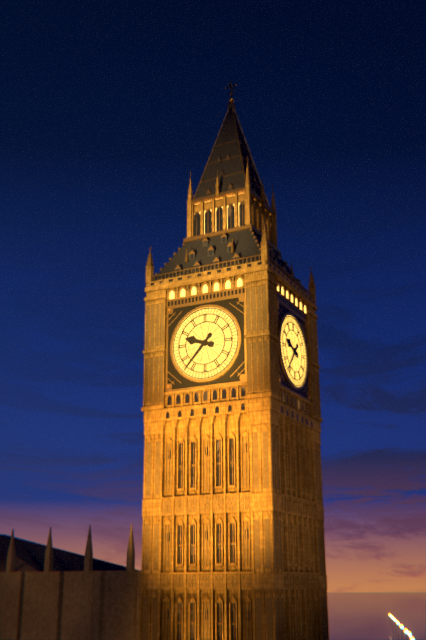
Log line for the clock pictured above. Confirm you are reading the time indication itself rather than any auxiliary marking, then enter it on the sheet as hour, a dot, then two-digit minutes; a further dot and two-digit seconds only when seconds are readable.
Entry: 9.37
